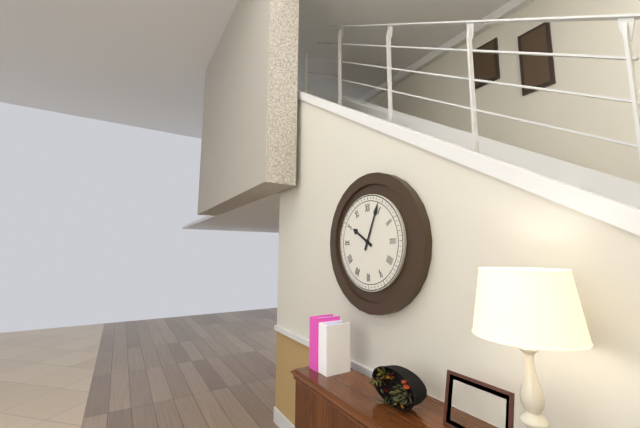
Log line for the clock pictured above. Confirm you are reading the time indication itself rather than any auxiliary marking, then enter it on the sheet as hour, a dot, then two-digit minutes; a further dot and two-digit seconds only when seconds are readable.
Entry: 10.04
